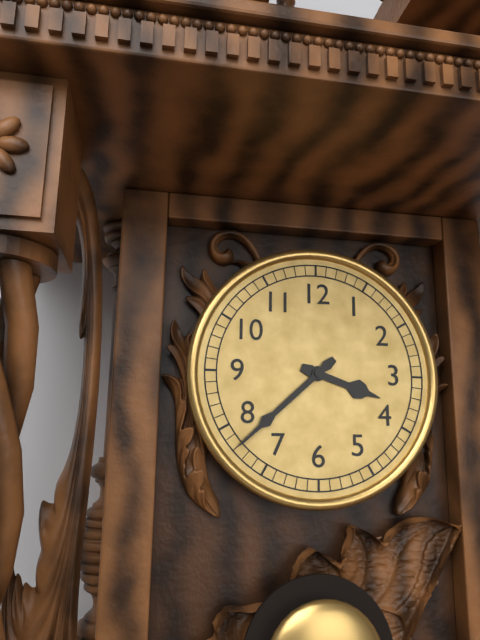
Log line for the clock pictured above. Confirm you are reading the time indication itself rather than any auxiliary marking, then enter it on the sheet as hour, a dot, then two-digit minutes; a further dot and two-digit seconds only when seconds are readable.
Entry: 3.38
